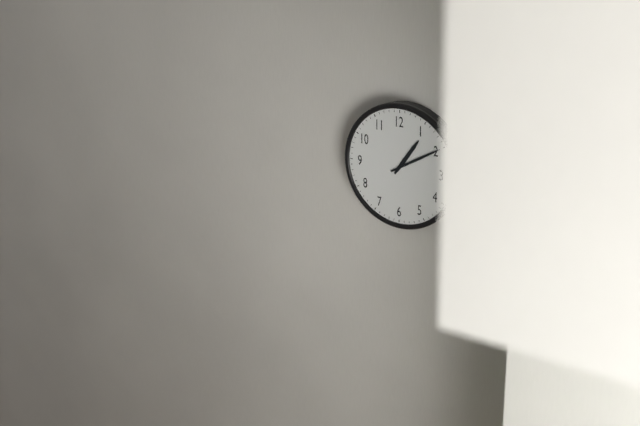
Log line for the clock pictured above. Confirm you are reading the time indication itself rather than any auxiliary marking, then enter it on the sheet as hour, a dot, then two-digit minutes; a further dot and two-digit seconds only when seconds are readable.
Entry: 1.10
